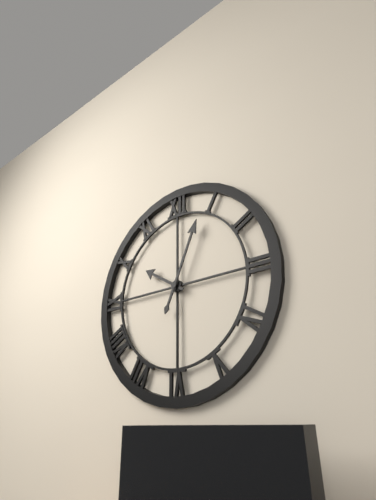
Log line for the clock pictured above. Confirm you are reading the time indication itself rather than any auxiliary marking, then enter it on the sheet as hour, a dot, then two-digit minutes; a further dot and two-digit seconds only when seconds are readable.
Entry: 10.04
